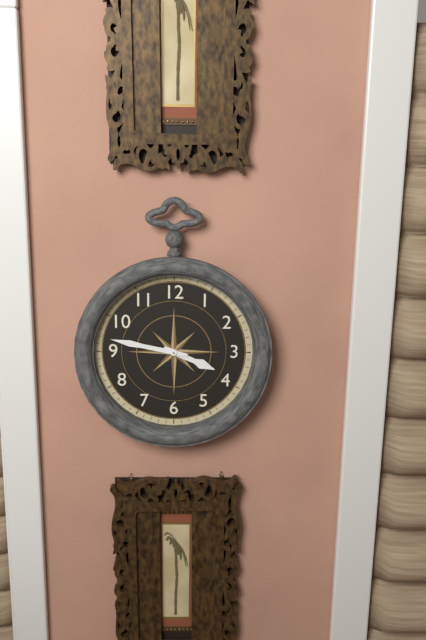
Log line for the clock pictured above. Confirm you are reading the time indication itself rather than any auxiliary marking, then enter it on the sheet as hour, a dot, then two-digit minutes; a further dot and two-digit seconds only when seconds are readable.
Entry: 3.47
